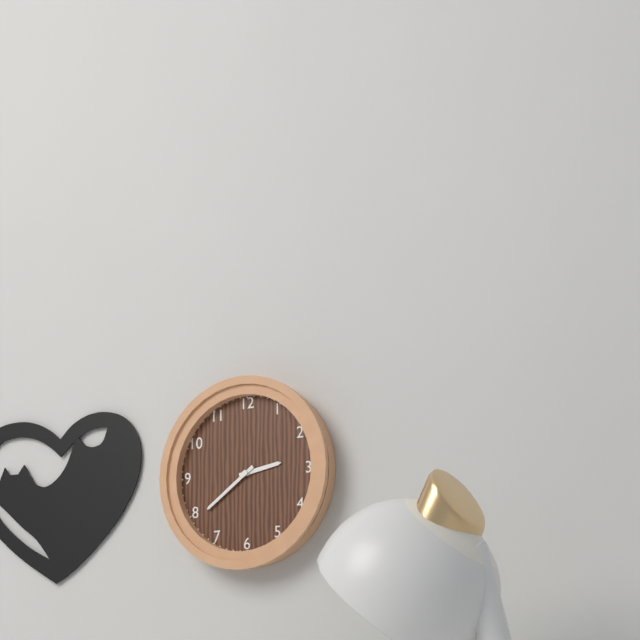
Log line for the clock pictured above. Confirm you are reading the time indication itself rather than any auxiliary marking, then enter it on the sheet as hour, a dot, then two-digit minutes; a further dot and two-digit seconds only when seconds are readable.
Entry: 2.39
